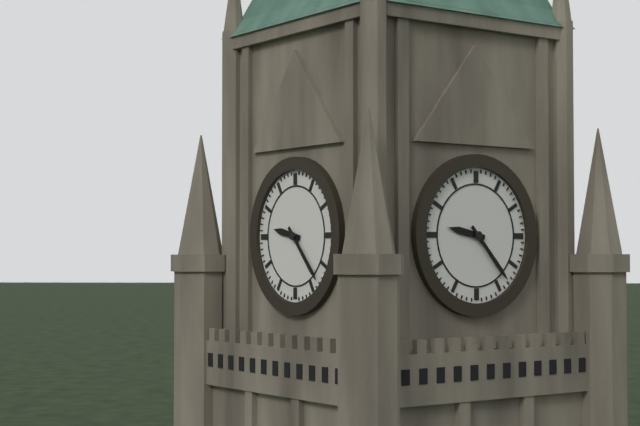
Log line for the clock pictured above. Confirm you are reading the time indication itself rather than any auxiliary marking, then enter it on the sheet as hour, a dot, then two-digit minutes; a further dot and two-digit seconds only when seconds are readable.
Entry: 9.23
